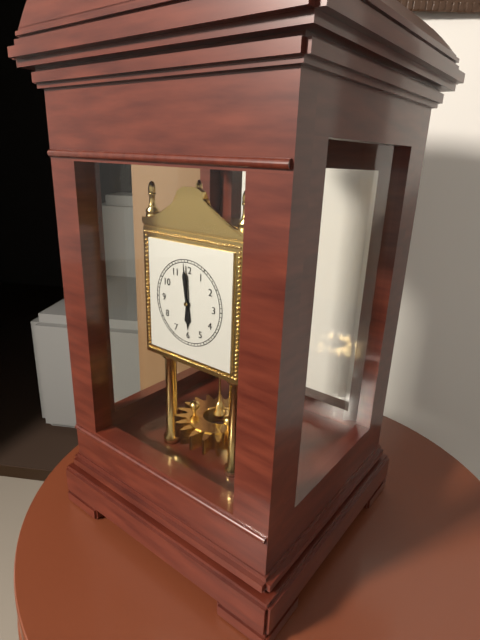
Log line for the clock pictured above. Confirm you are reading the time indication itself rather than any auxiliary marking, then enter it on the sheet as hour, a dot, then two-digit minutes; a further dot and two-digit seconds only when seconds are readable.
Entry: 5.59
